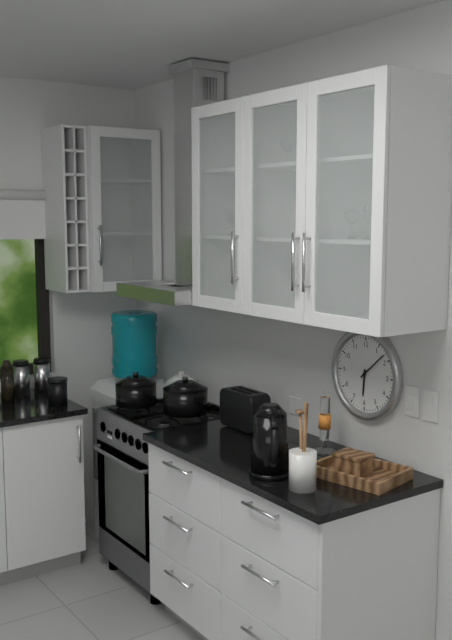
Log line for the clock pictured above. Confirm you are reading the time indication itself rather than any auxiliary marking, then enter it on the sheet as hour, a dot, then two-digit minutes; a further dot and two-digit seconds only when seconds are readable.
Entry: 6.08
